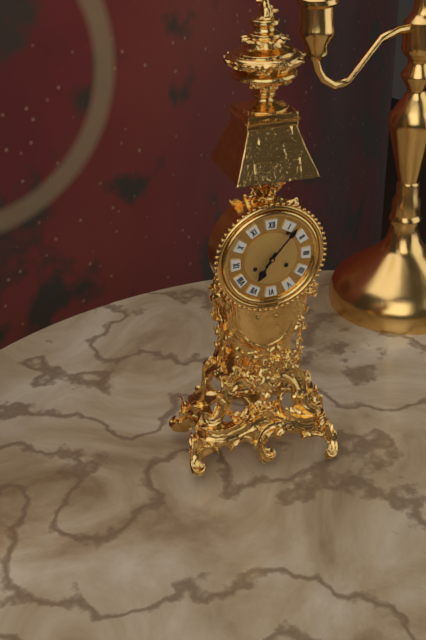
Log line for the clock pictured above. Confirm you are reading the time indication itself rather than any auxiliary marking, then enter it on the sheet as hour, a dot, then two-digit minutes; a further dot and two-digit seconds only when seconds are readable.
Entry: 7.07
